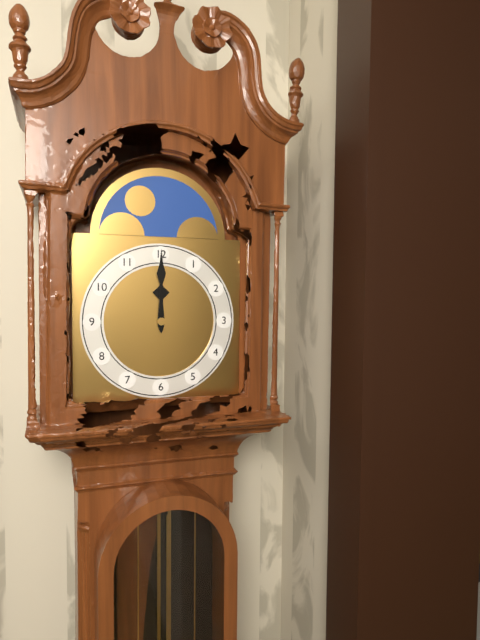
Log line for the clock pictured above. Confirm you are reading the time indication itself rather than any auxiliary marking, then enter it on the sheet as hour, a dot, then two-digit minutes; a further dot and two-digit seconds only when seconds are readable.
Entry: 12.00
